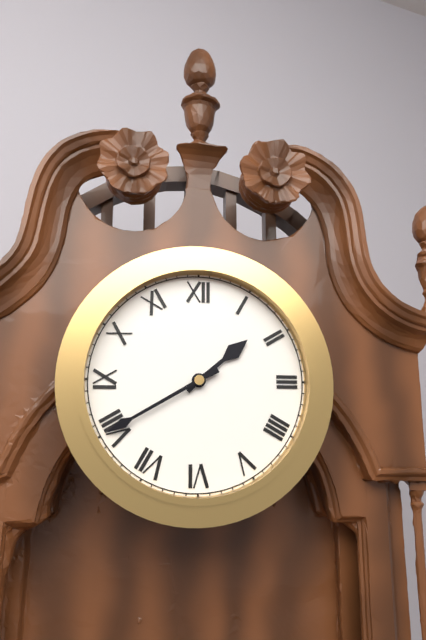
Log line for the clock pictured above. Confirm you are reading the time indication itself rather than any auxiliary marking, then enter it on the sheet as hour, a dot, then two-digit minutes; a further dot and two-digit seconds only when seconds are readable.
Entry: 1.40
